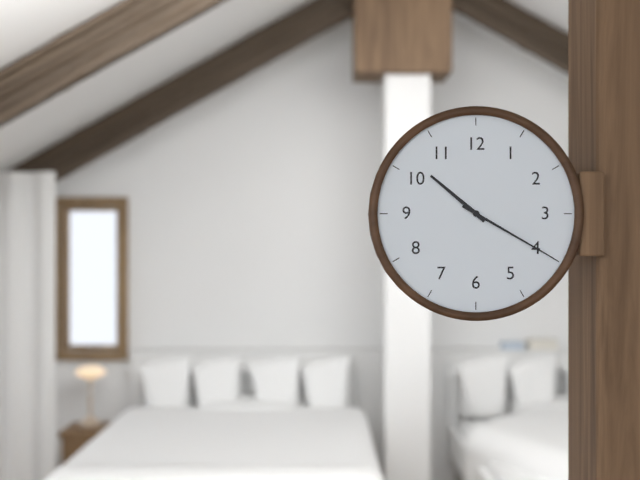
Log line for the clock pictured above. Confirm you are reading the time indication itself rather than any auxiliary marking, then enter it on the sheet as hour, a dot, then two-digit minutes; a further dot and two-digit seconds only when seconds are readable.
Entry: 10.20
